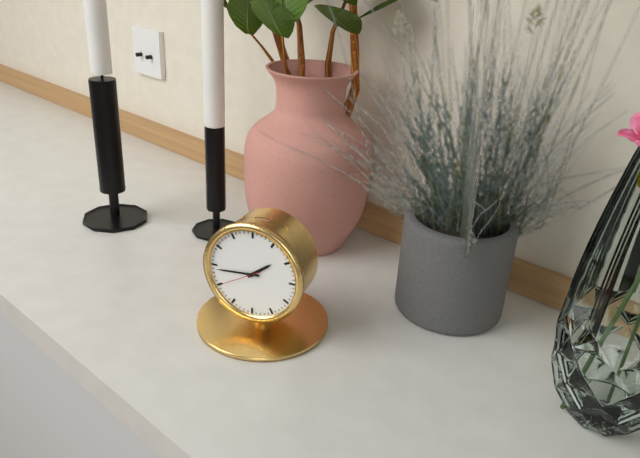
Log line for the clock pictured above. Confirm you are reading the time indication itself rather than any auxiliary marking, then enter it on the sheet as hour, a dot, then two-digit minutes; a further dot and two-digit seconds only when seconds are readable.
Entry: 1.44
